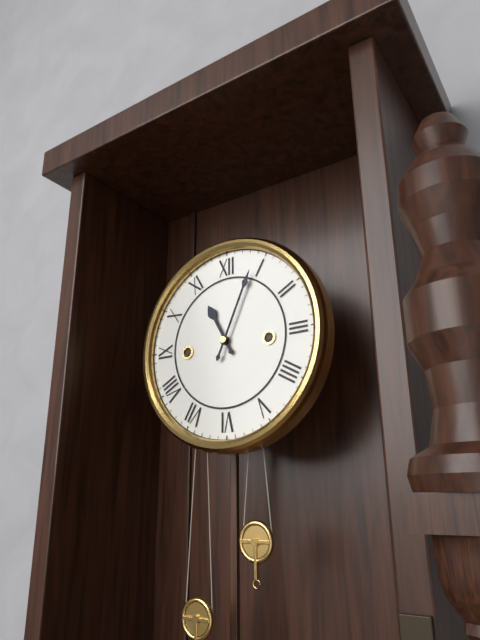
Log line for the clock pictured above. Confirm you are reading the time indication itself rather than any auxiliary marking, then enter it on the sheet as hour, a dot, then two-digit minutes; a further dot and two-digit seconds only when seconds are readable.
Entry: 11.04
